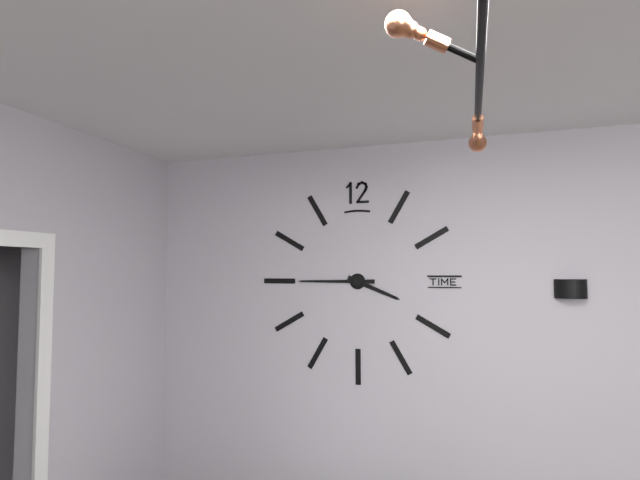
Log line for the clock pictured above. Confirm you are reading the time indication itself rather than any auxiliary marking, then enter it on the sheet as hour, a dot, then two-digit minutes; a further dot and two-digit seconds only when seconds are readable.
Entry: 3.45
